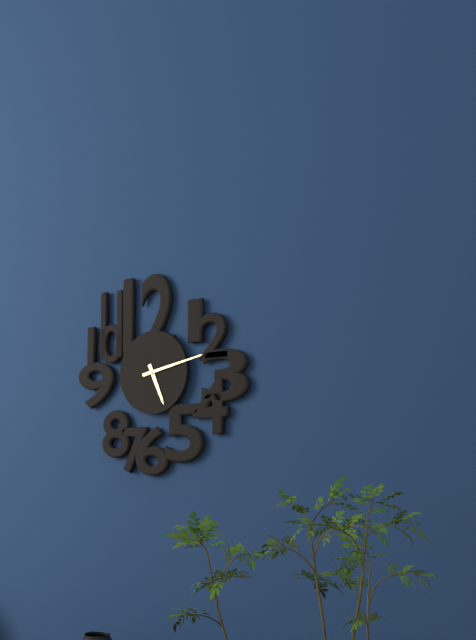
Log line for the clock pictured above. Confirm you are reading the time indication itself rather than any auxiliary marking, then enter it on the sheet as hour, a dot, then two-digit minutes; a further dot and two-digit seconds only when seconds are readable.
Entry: 5.13
